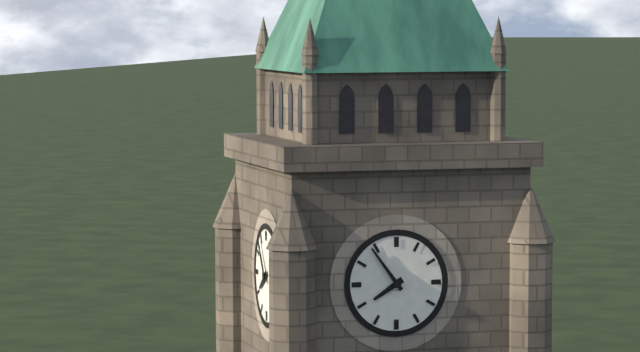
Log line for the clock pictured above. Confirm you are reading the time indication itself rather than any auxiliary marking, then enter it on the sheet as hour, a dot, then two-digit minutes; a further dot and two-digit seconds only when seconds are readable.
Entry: 7.54
